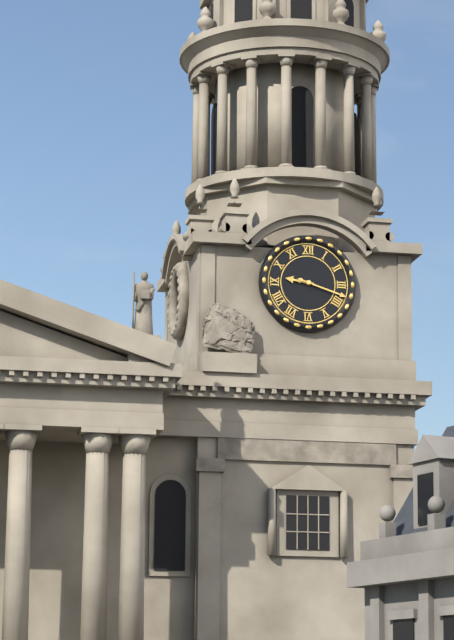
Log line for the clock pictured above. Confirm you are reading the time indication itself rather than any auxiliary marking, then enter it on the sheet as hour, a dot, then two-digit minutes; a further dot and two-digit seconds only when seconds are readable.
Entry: 9.18
